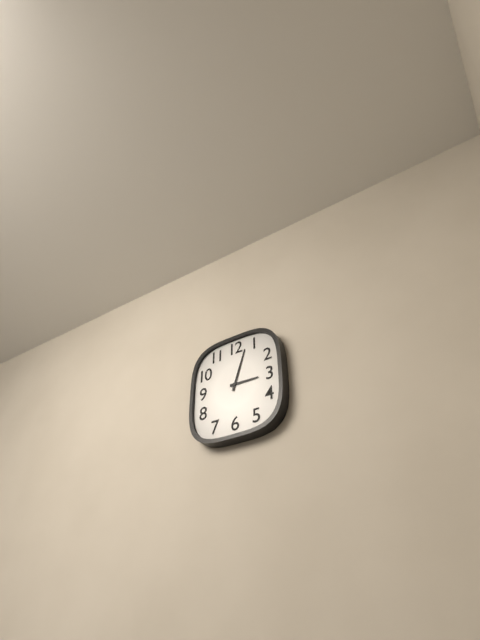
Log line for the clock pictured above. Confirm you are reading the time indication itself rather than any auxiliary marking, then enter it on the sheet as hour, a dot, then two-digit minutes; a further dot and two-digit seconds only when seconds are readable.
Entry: 3.03
